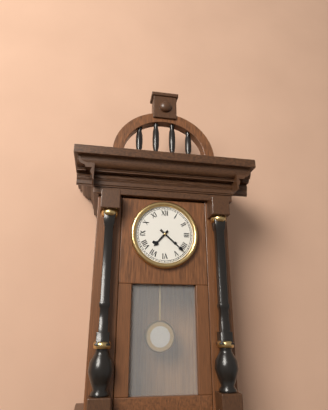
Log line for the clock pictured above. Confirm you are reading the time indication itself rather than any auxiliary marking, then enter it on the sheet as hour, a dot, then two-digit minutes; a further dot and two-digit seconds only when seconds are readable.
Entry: 7.22
